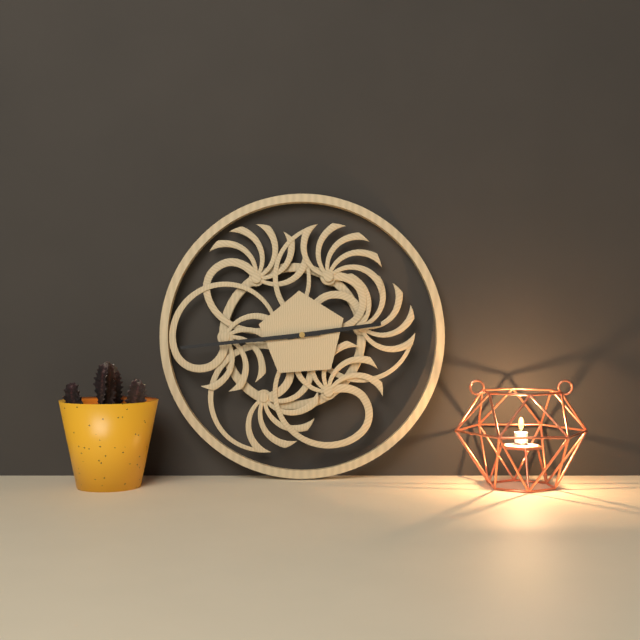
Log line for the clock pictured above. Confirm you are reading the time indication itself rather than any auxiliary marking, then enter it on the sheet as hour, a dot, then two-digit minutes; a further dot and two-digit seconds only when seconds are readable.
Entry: 2.44
